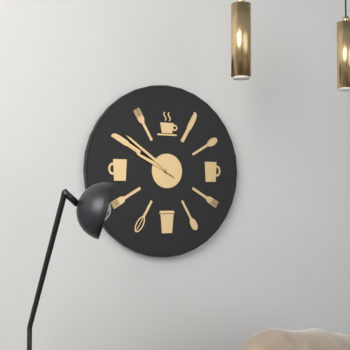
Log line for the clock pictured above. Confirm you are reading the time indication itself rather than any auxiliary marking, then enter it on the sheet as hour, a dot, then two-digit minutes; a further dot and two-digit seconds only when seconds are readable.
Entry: 9.51
